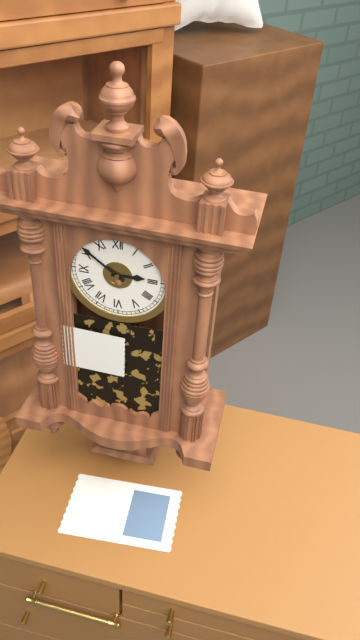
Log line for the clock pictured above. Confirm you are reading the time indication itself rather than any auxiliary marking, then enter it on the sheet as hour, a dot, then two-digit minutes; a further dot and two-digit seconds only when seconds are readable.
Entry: 2.51
